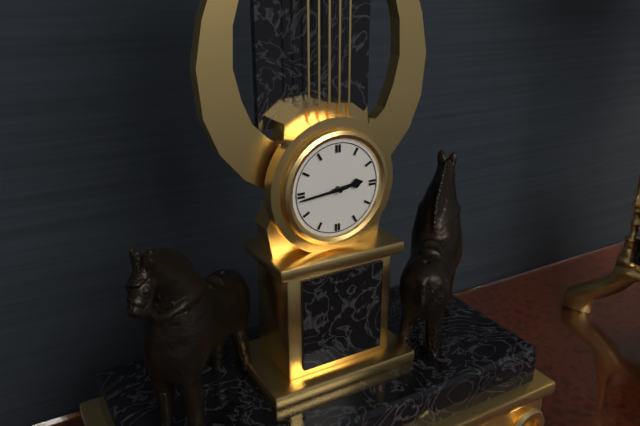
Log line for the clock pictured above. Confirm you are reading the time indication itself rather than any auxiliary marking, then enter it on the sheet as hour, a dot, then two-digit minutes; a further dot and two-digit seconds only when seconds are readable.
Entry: 2.44
